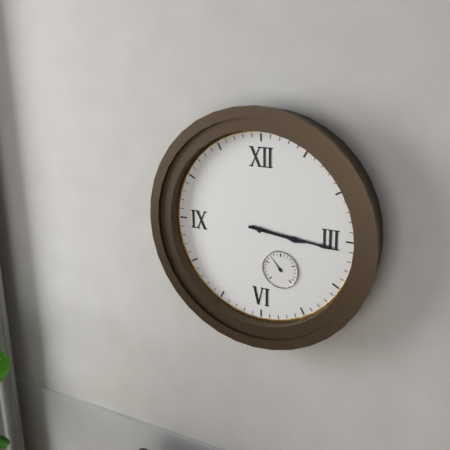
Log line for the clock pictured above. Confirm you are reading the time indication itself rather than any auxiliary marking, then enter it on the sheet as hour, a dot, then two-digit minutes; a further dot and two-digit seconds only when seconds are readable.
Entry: 3.16
